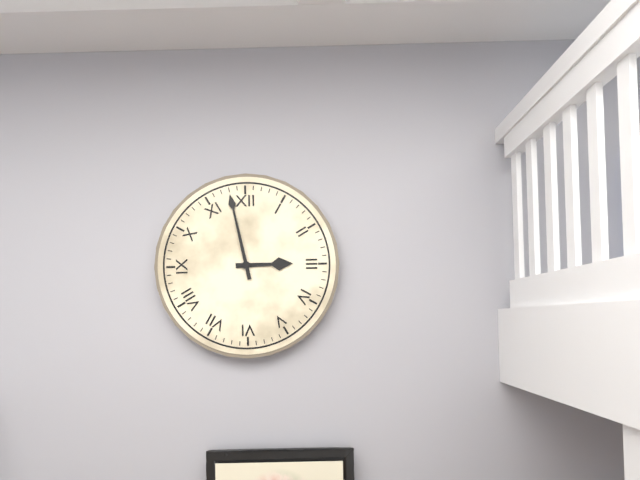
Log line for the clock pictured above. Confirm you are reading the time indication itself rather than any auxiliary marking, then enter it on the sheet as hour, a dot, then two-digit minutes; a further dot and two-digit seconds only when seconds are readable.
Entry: 2.58
